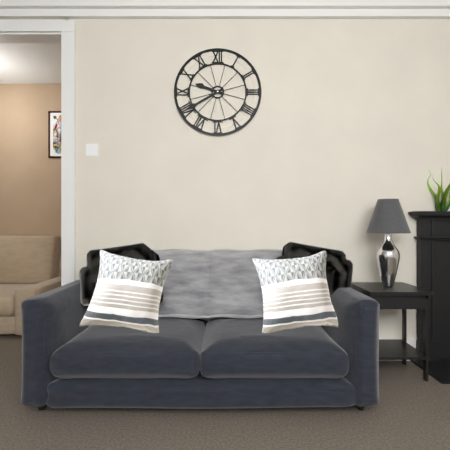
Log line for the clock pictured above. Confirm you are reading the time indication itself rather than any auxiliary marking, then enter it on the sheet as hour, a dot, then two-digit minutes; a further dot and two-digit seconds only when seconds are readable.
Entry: 9.40
